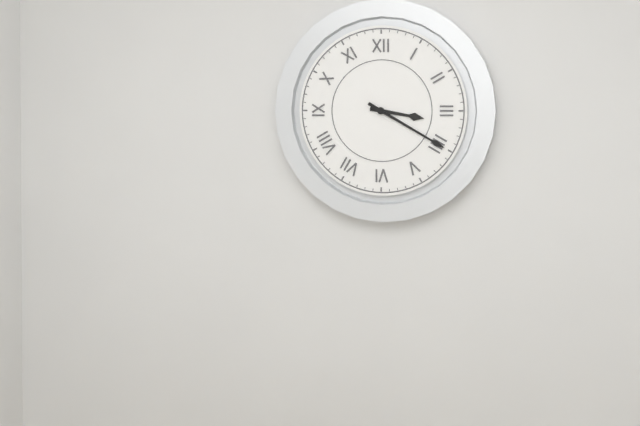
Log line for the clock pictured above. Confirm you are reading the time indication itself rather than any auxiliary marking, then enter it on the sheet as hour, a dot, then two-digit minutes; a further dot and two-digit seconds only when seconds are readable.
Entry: 3.20
